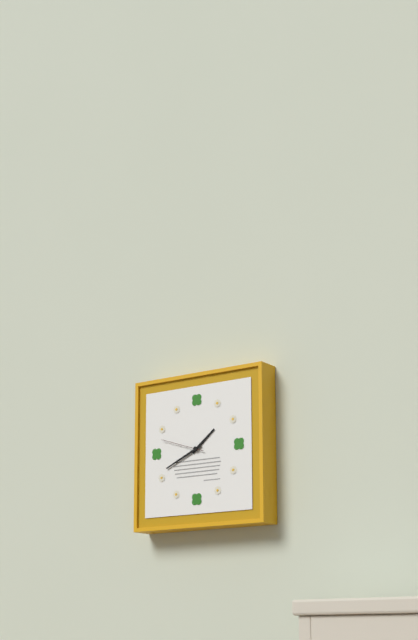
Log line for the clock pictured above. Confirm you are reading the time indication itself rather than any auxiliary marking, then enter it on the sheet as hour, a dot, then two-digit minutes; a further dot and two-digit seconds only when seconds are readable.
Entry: 1.41
